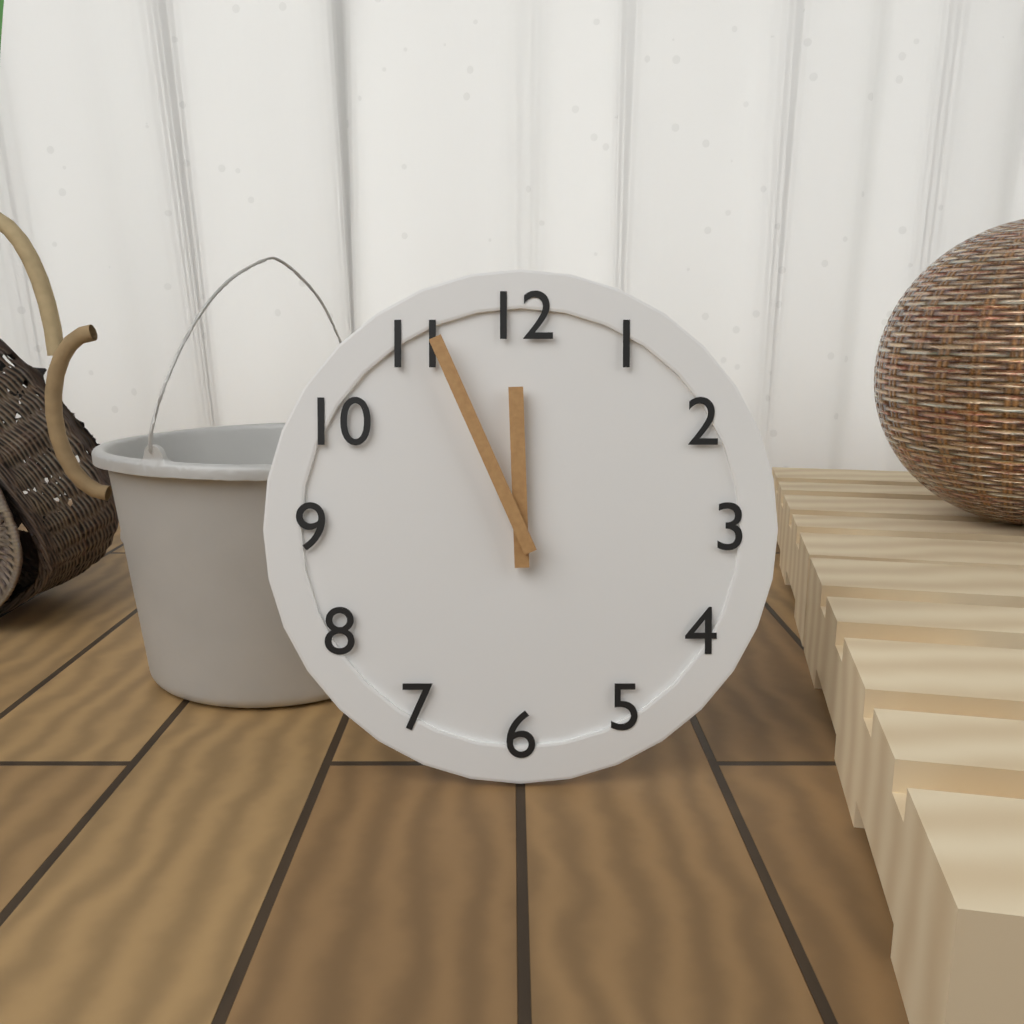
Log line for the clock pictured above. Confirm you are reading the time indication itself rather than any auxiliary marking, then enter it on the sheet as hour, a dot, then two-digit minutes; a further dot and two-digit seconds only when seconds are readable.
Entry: 11.56
